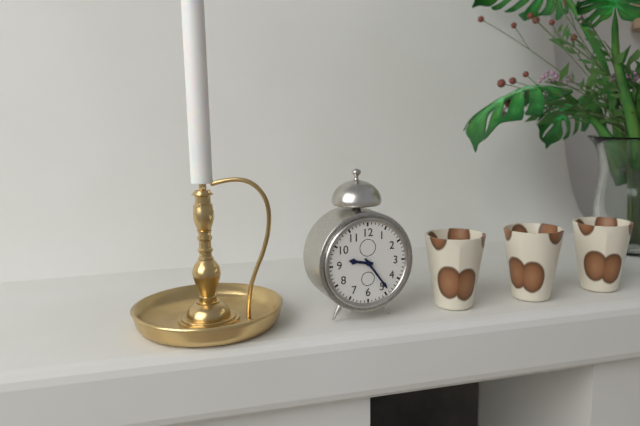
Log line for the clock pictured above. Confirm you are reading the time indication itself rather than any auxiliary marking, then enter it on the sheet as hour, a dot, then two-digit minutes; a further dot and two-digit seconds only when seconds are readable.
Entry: 9.24
